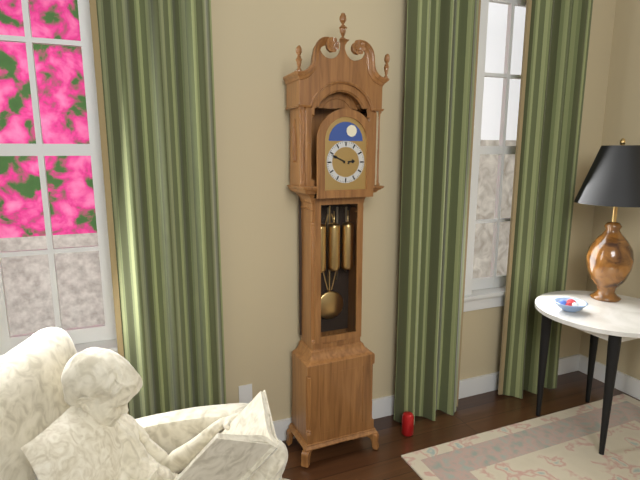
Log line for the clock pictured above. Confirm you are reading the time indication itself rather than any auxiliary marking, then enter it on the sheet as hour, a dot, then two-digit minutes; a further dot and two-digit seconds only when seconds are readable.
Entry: 2.49
